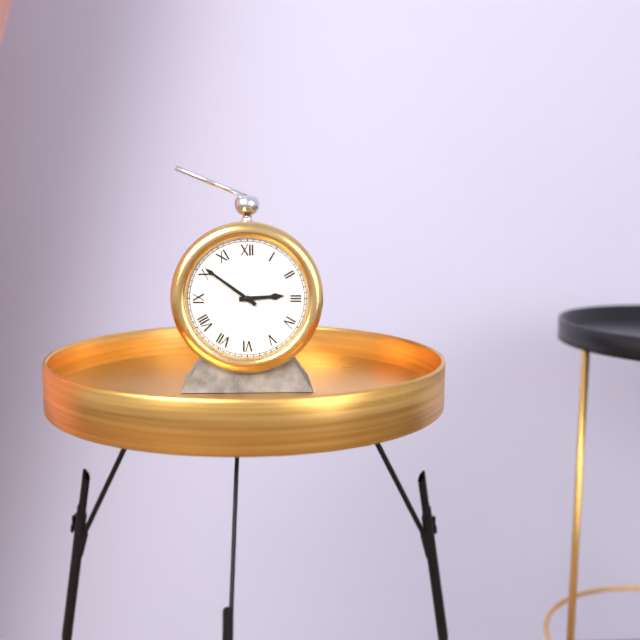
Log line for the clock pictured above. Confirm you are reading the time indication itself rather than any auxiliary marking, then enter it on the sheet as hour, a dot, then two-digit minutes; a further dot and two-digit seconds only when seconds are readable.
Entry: 2.51
